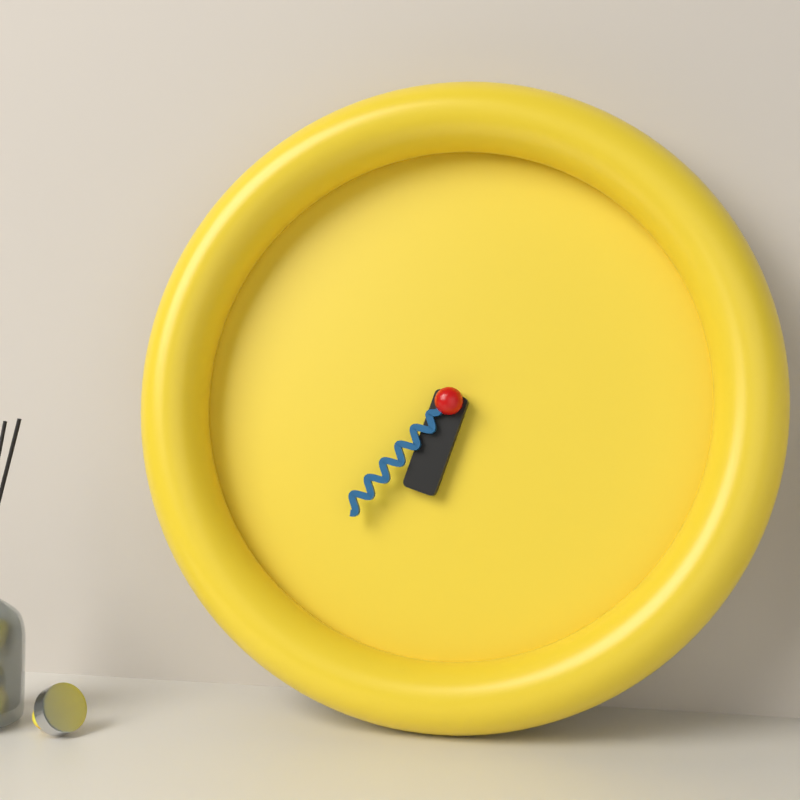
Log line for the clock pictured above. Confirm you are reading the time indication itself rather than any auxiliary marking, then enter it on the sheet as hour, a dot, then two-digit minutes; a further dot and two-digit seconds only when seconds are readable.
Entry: 6.37
